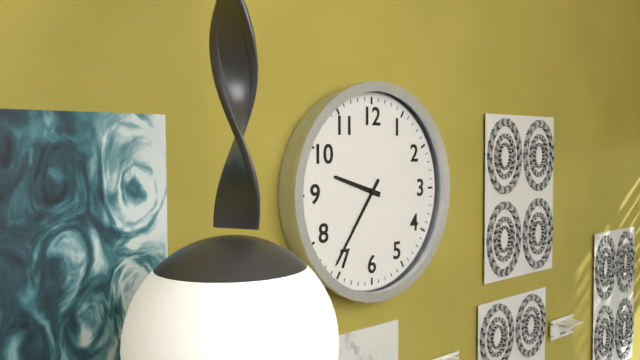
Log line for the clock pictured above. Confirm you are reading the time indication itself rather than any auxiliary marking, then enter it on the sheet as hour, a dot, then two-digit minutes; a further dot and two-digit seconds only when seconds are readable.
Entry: 9.36
